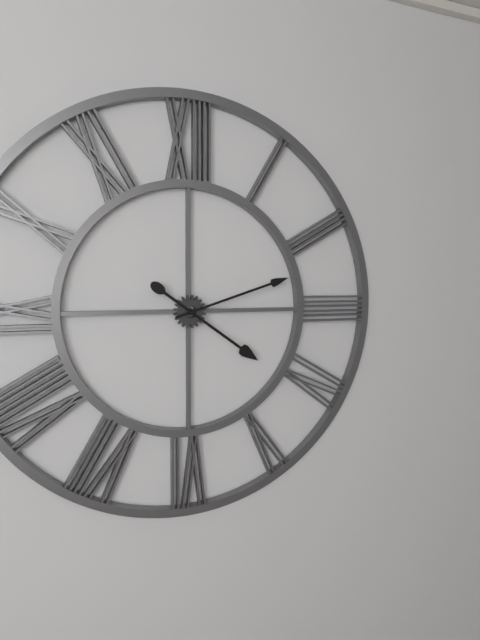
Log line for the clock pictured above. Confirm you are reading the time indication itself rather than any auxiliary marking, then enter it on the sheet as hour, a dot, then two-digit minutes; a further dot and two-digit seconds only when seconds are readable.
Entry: 4.12
